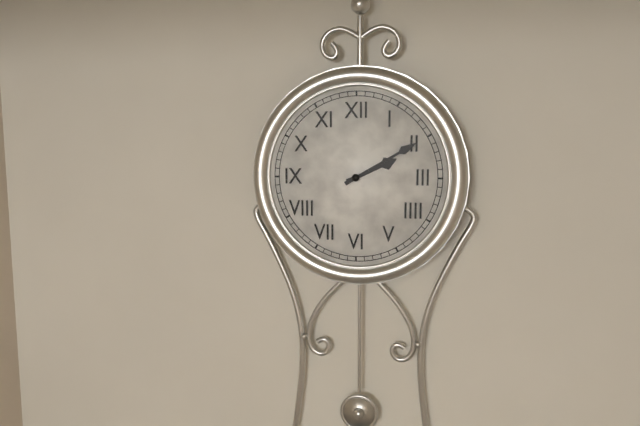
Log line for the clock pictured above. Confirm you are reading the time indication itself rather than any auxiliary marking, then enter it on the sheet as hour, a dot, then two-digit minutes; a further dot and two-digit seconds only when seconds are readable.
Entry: 2.10
